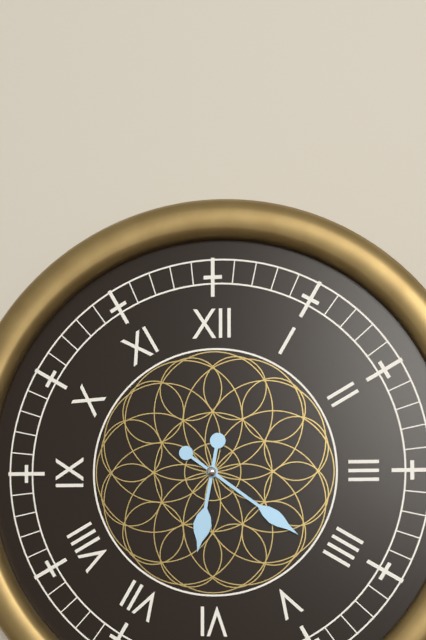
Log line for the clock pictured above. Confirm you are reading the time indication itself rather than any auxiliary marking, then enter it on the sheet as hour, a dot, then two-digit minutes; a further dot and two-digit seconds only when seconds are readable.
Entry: 6.21
